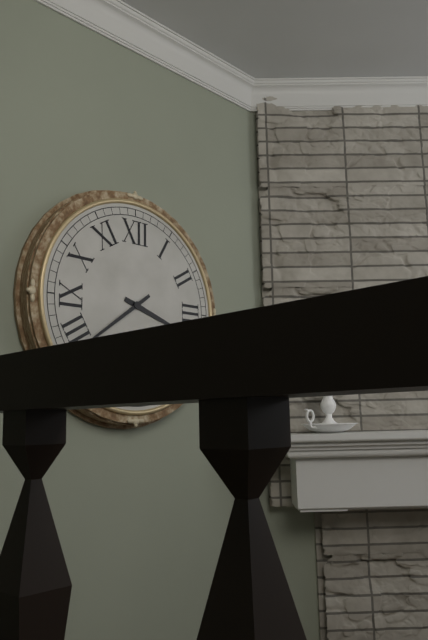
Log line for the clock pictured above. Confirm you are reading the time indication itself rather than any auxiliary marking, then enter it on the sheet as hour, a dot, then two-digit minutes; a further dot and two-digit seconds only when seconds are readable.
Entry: 3.39
